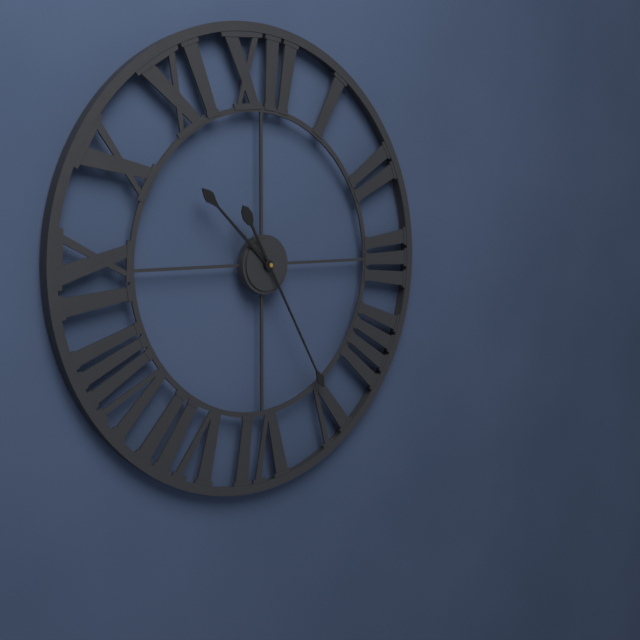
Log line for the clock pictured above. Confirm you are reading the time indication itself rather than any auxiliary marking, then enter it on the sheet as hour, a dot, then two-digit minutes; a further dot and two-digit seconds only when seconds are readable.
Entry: 10.25
